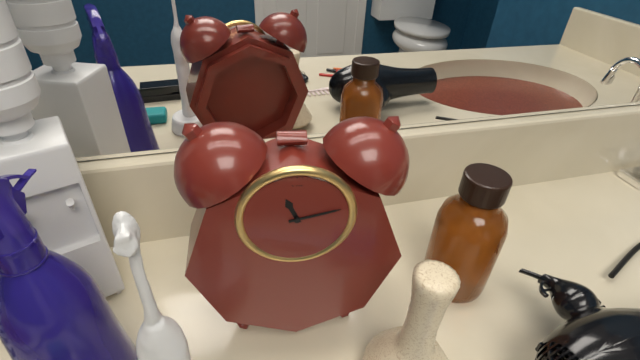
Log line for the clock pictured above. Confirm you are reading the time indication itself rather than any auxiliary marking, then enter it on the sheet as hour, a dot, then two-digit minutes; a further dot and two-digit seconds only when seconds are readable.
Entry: 11.13
